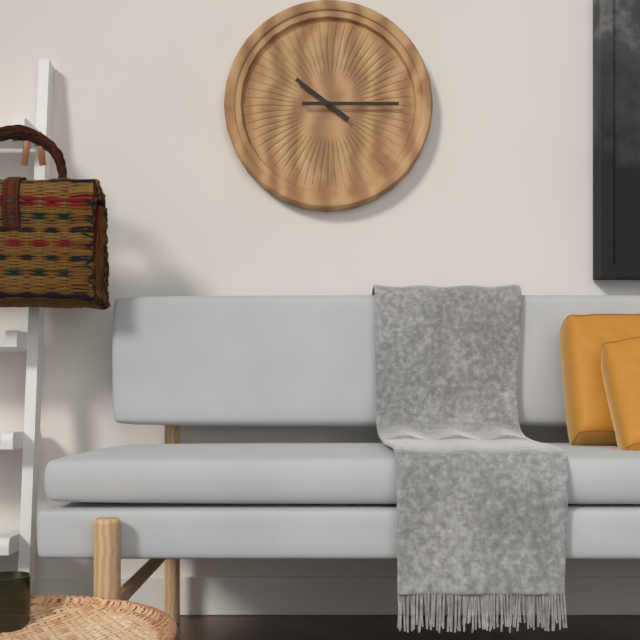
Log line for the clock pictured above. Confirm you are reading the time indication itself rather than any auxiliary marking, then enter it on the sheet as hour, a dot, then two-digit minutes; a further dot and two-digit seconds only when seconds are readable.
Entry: 10.15
